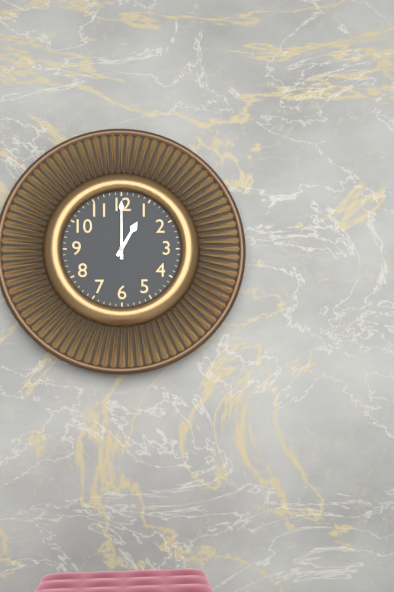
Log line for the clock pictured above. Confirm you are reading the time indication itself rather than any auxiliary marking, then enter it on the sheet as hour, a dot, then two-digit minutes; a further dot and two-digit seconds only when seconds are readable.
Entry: 1.00
